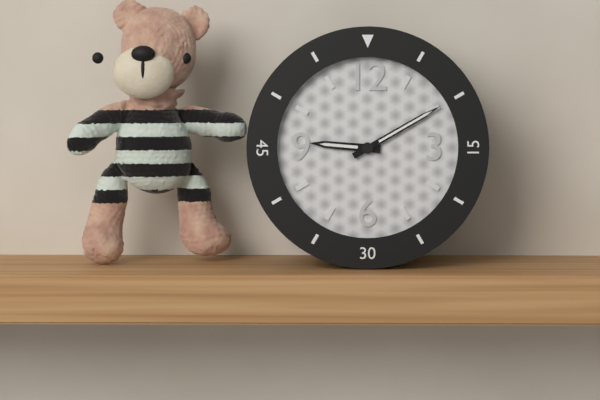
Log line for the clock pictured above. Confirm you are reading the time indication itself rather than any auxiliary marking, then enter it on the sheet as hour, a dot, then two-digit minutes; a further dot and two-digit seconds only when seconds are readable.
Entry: 9.10
